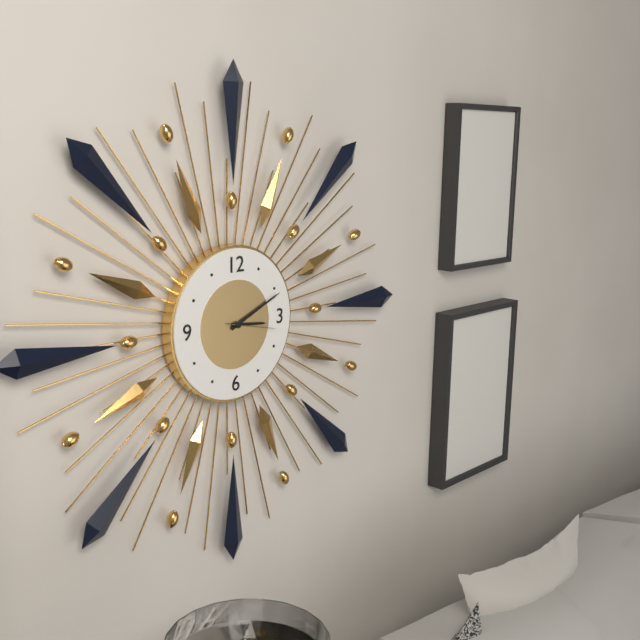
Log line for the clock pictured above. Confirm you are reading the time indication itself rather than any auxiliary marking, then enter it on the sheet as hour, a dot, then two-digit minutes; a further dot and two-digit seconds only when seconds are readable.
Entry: 3.11
